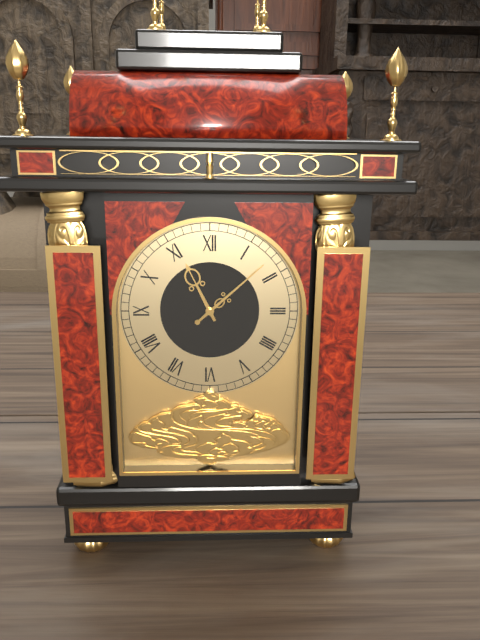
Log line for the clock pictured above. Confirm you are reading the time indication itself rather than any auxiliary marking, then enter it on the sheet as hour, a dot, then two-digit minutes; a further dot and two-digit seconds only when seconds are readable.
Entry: 11.08
